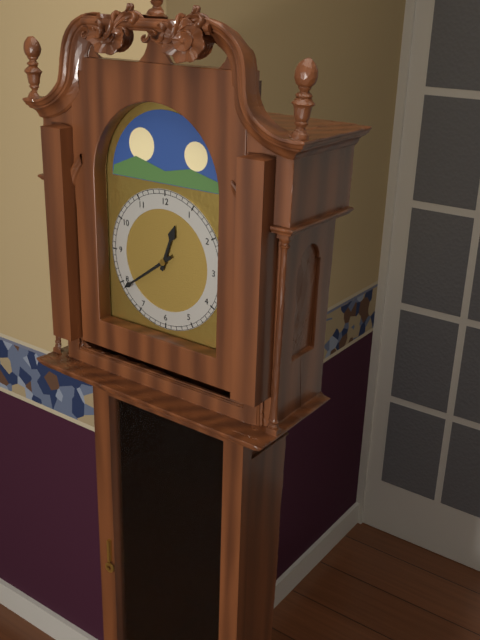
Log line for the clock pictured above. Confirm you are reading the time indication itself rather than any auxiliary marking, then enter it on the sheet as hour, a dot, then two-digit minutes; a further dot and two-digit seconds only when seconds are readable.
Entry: 12.39
